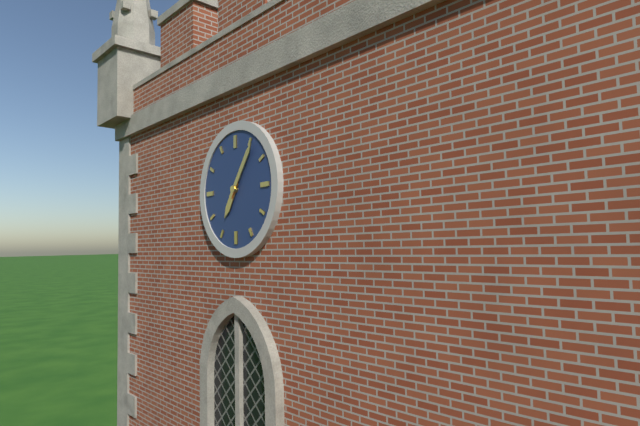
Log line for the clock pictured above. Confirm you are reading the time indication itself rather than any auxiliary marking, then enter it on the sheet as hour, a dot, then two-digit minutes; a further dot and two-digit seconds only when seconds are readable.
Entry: 7.06
